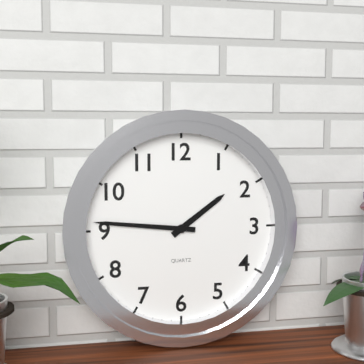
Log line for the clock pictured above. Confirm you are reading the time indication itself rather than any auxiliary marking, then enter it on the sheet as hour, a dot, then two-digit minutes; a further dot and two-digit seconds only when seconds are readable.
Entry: 1.46
